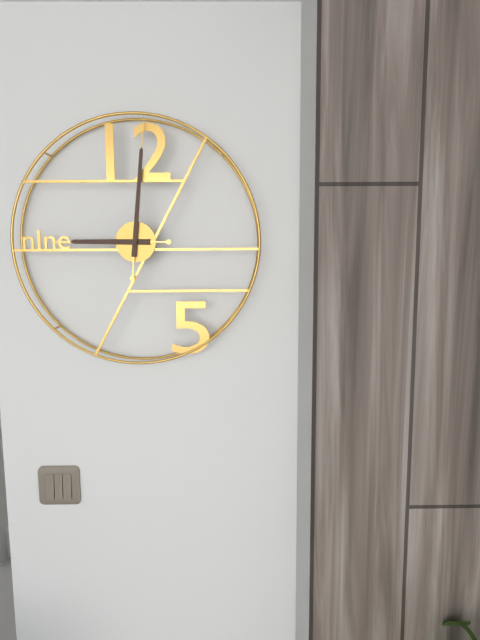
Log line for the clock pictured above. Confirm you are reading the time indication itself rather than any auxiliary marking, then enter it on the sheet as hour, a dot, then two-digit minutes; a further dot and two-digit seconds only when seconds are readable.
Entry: 9.01
